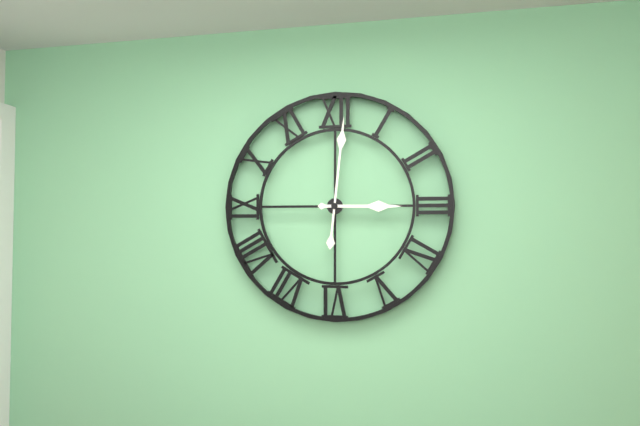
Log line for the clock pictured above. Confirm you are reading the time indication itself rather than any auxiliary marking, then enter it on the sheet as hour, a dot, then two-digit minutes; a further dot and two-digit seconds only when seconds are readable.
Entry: 3.01
